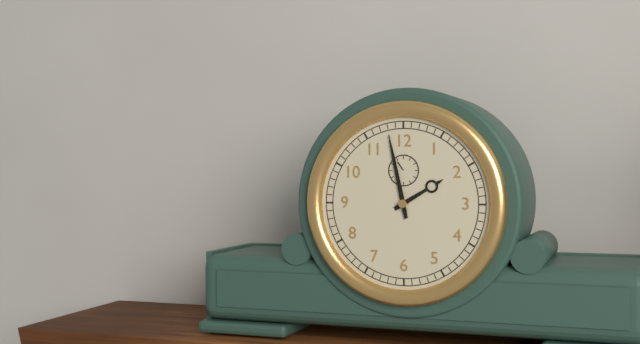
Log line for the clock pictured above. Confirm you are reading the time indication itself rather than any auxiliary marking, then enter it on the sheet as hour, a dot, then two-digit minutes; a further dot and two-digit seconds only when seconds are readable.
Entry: 1.58
